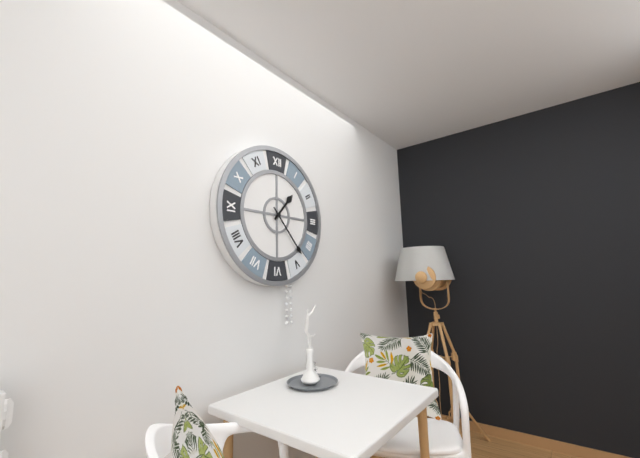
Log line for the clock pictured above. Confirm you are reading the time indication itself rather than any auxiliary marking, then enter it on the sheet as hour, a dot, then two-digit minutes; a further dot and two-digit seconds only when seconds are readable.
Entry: 1.23
